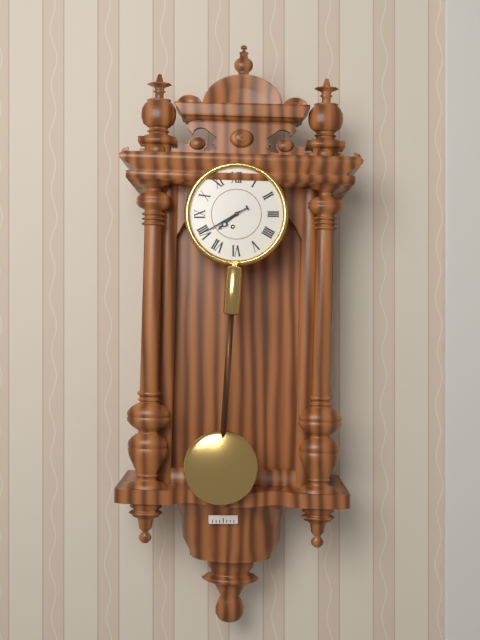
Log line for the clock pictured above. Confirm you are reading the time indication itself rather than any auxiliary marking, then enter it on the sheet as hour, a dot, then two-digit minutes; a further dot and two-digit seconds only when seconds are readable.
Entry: 7.40
